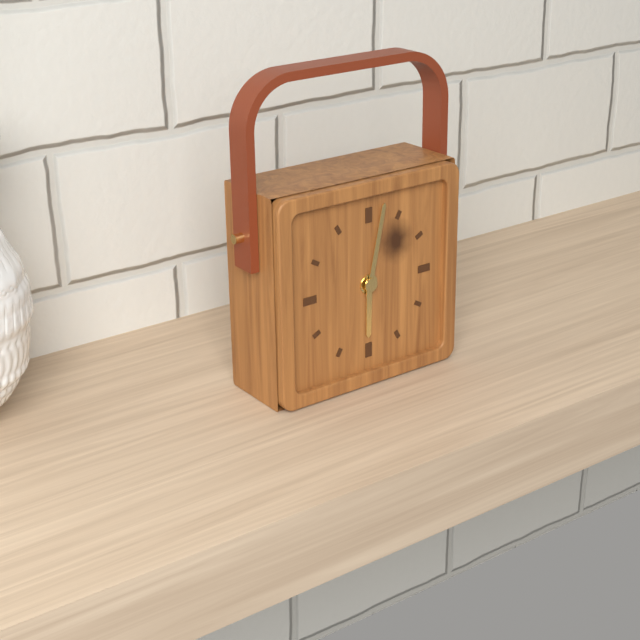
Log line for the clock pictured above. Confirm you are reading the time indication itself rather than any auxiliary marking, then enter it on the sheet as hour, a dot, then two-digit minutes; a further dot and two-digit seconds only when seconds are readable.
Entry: 6.02
